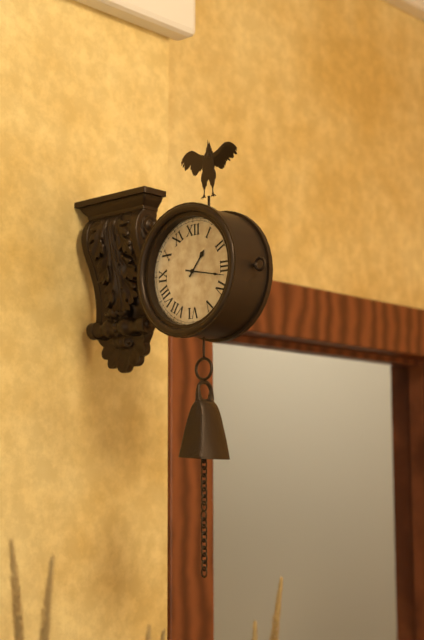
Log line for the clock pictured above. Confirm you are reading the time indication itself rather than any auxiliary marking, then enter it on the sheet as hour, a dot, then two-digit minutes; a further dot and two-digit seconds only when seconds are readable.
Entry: 1.17
